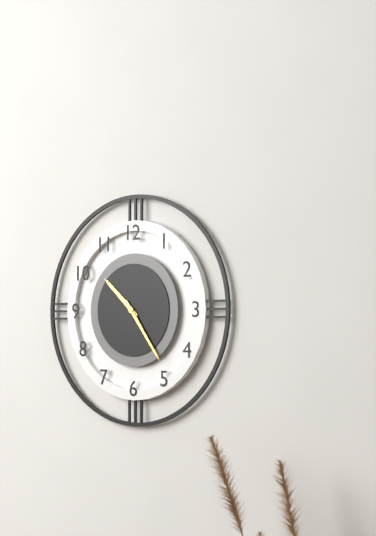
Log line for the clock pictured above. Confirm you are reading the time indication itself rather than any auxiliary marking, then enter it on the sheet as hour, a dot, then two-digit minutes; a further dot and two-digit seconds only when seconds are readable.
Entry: 10.24
